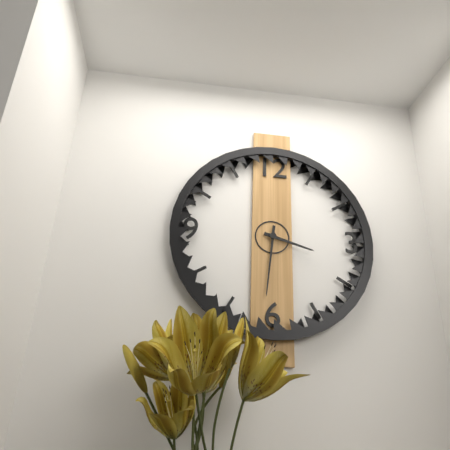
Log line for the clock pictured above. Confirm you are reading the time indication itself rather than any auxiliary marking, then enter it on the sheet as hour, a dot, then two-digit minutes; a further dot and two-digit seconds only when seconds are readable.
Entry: 3.31
